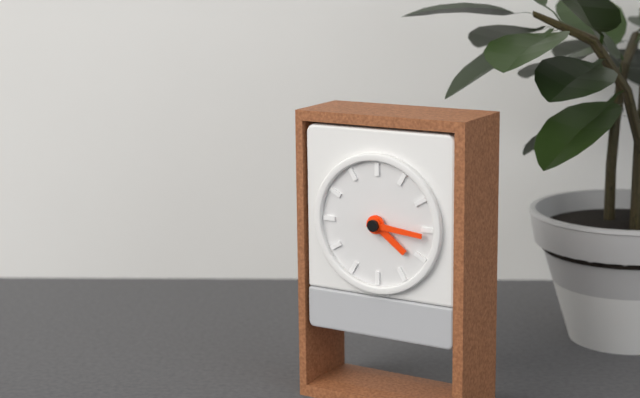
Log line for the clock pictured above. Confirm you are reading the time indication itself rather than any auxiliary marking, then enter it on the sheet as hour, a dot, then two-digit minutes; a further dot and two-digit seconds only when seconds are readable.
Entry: 4.16
